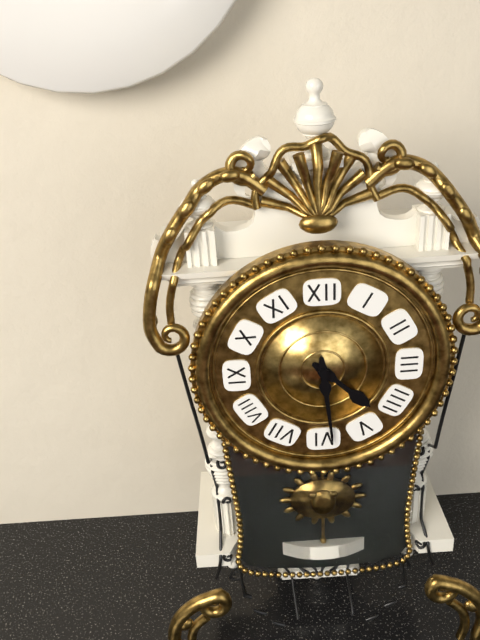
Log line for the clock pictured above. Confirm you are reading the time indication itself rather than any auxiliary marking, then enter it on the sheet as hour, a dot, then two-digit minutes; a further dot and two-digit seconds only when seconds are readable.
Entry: 4.29
